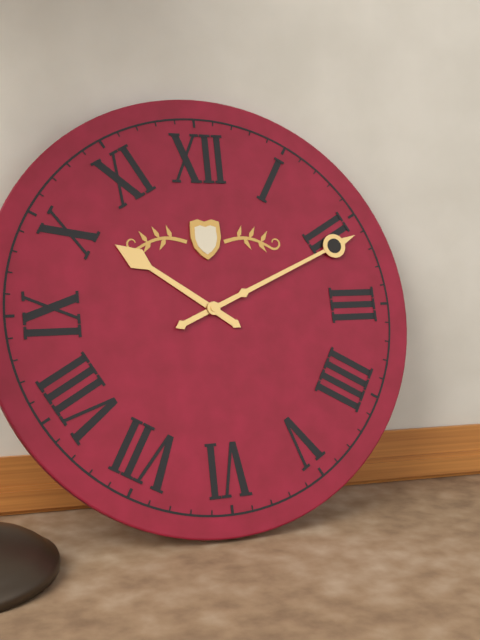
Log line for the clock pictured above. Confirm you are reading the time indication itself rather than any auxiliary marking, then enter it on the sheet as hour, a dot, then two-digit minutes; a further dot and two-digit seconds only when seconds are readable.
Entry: 10.11
